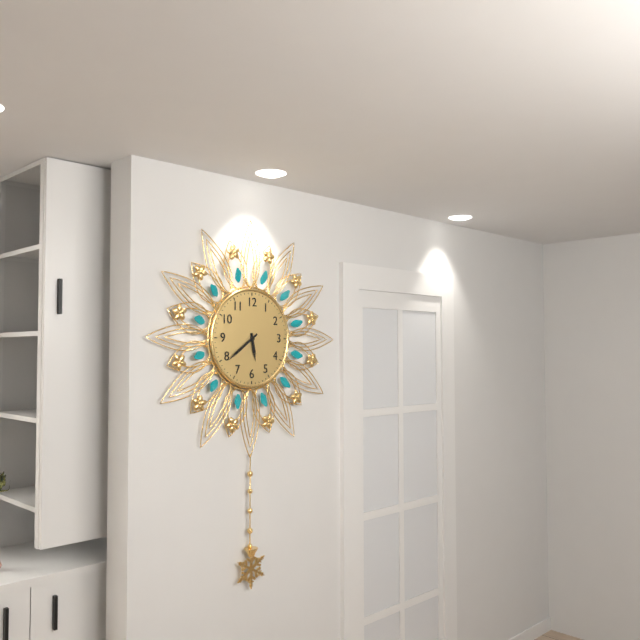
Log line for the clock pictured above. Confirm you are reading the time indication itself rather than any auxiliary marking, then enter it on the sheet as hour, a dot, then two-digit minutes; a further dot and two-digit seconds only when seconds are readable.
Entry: 5.39
